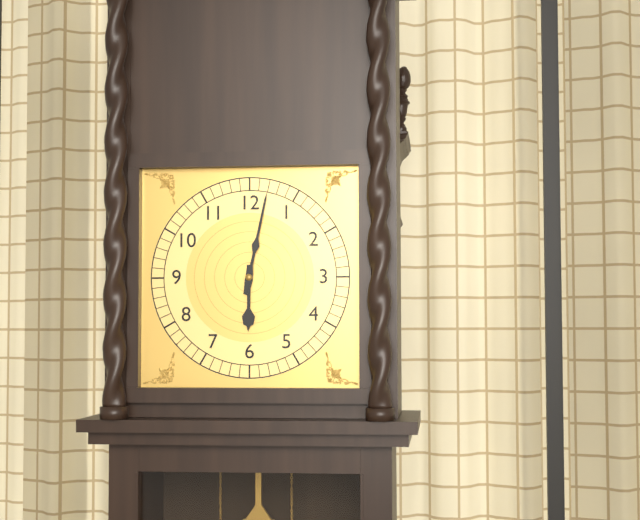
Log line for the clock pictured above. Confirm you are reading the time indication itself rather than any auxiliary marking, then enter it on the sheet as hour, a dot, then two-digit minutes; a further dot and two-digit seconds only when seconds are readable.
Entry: 6.02
